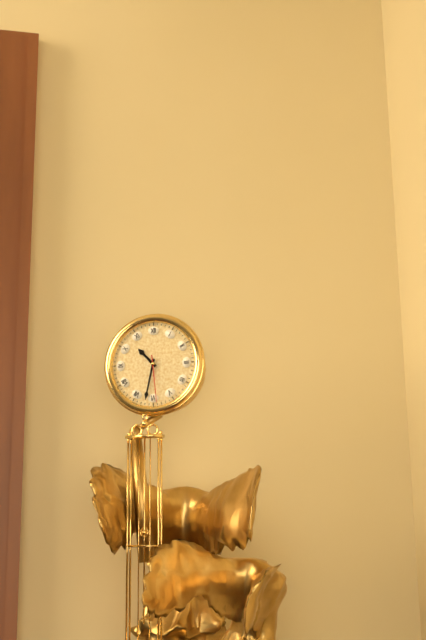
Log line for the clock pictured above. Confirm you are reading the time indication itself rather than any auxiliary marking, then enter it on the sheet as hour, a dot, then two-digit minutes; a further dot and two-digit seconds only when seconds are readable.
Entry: 10.32
